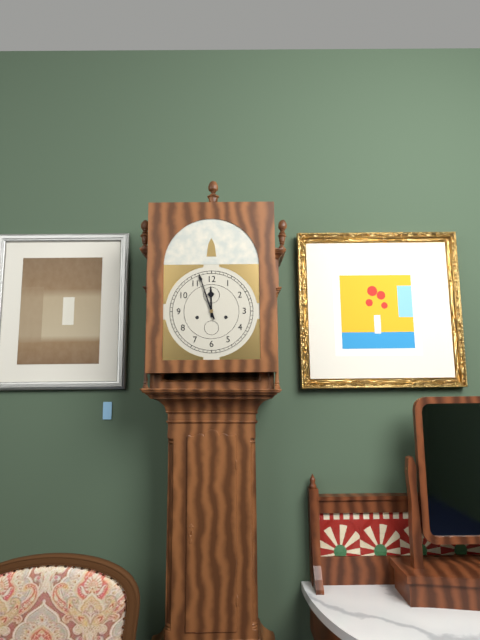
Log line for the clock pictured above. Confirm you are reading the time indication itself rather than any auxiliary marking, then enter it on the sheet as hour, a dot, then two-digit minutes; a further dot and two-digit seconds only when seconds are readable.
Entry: 11.57
